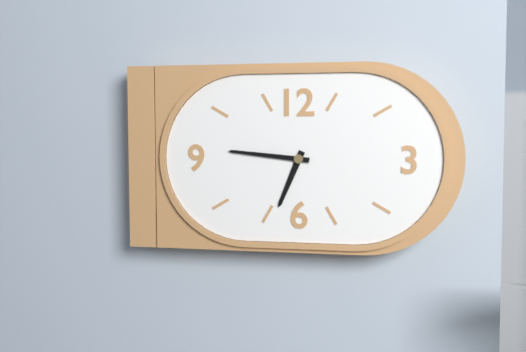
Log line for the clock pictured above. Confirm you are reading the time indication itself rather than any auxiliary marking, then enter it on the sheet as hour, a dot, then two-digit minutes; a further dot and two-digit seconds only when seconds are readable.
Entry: 6.46
